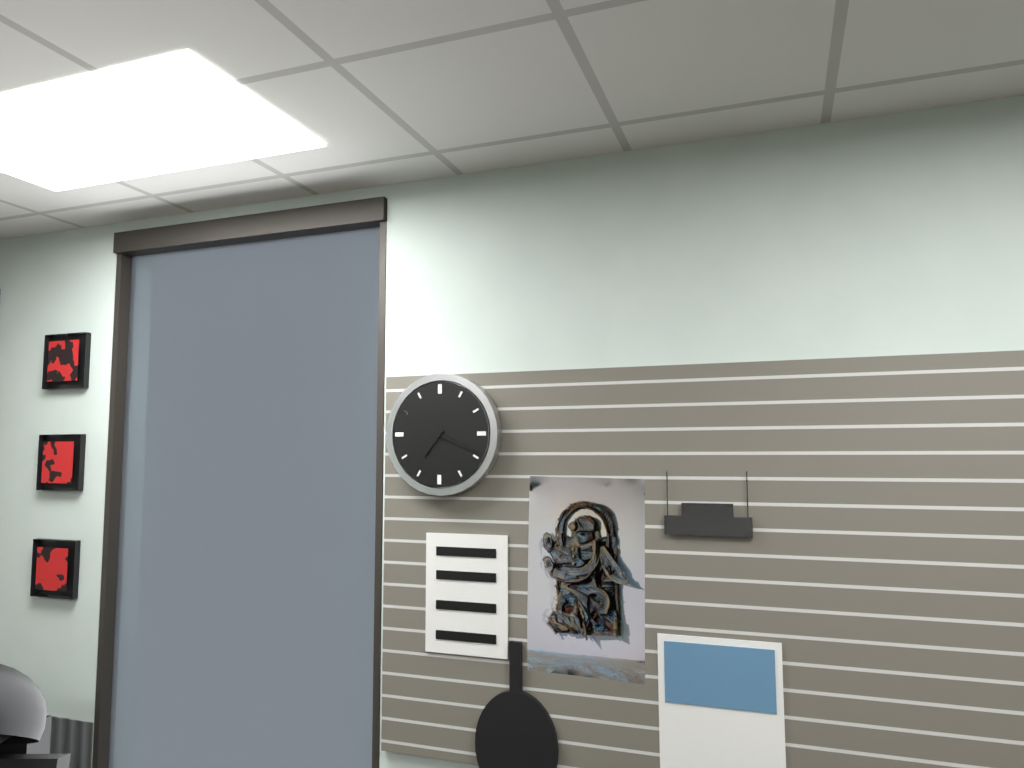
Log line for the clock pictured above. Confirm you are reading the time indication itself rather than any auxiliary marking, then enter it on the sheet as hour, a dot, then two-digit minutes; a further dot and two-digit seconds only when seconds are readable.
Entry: 7.19
